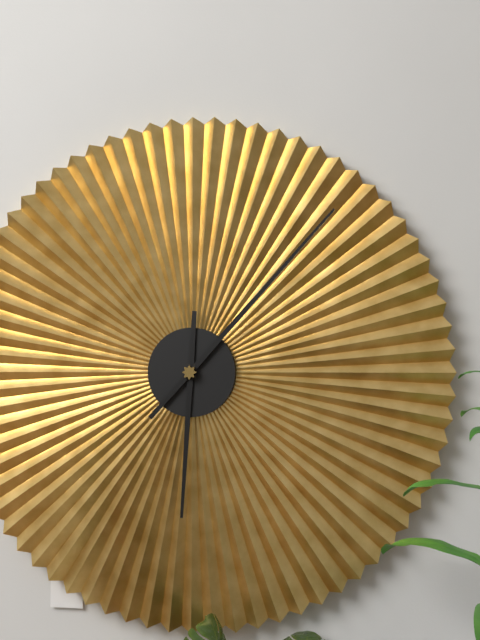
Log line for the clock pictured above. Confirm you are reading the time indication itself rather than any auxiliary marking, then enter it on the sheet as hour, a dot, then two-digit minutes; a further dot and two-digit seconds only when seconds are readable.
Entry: 6.07
